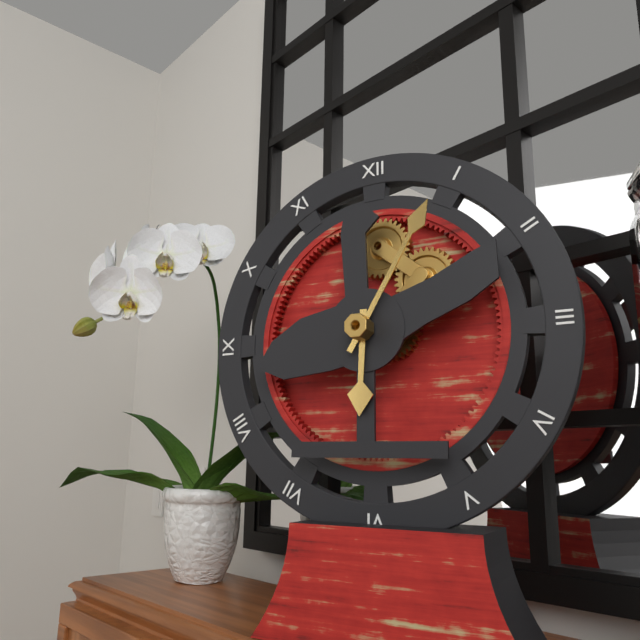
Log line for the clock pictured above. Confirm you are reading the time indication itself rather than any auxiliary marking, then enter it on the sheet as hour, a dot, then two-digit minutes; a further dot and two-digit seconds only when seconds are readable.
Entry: 6.05
